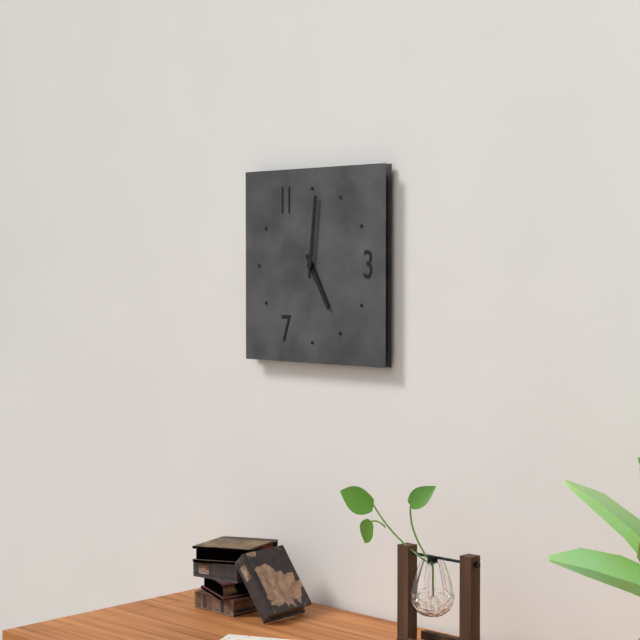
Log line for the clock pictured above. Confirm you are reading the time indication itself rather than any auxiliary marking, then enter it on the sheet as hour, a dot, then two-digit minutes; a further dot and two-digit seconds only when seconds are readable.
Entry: 5.01
